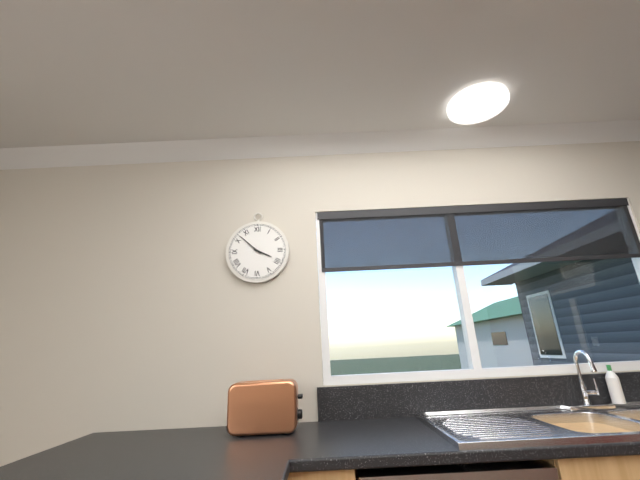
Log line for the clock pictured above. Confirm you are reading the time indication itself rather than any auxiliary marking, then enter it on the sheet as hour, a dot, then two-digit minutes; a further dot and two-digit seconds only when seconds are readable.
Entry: 3.52
